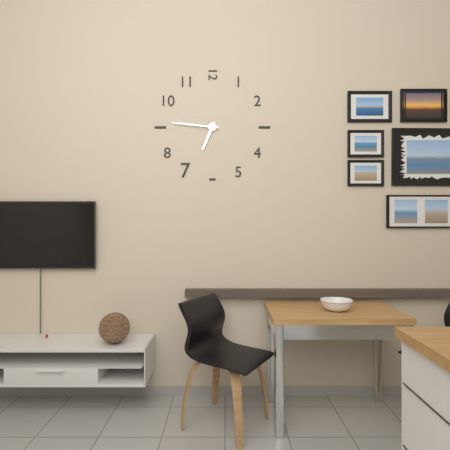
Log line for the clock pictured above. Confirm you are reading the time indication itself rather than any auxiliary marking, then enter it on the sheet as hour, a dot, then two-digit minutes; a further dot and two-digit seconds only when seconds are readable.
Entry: 6.46
